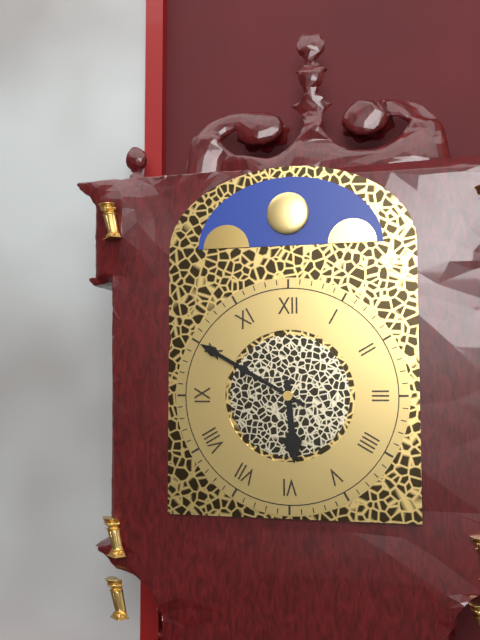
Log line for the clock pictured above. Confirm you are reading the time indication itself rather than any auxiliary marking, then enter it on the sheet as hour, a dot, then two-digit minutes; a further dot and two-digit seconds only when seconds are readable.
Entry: 5.50
